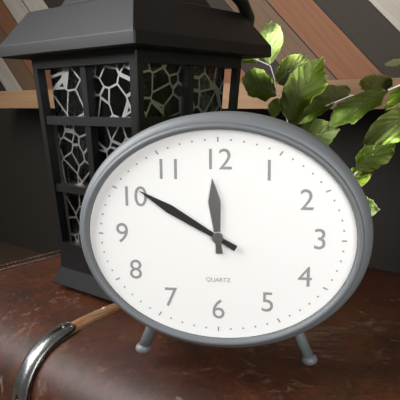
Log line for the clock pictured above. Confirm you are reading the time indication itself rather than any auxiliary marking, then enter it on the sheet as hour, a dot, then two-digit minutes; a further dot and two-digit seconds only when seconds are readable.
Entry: 11.50
